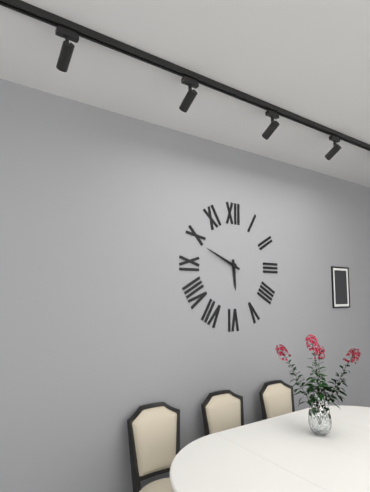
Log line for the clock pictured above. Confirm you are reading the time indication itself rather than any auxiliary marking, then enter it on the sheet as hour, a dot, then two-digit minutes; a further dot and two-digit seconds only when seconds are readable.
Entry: 5.49
